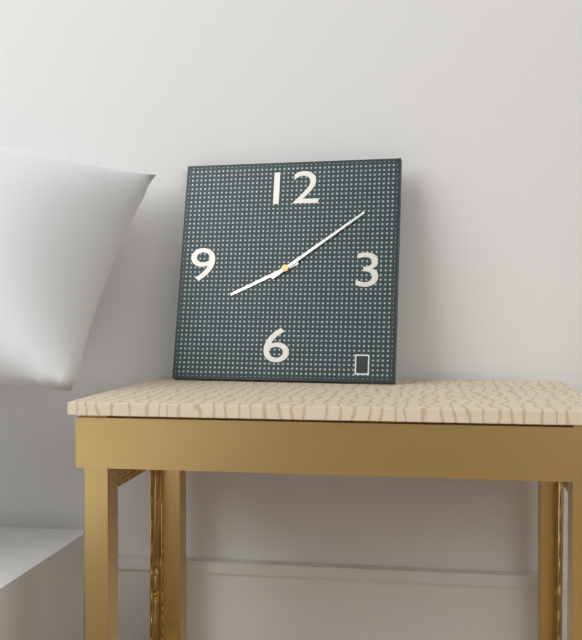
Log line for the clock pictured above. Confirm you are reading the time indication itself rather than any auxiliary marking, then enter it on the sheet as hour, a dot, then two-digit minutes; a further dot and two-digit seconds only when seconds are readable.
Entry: 8.09
